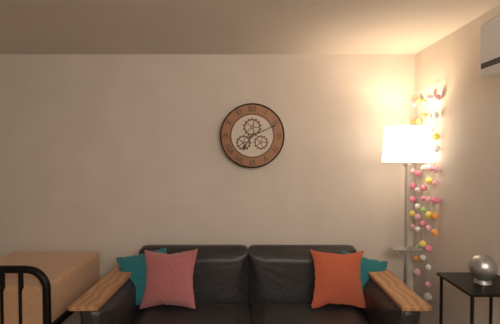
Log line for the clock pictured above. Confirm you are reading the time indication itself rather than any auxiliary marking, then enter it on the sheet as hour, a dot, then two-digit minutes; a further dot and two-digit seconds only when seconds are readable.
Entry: 7.11
